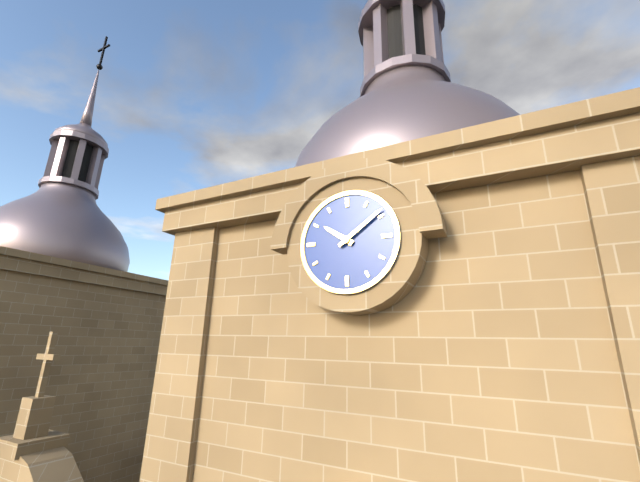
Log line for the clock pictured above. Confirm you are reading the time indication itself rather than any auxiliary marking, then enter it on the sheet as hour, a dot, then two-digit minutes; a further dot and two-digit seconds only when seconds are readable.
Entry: 10.09
